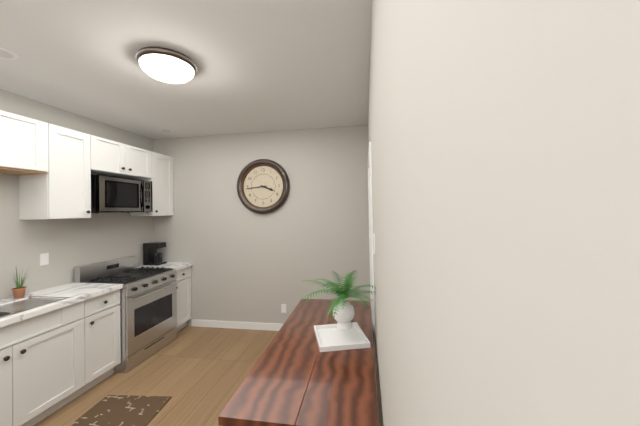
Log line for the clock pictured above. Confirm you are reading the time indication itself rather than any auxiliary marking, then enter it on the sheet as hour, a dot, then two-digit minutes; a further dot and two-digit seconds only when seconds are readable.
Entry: 3.44
